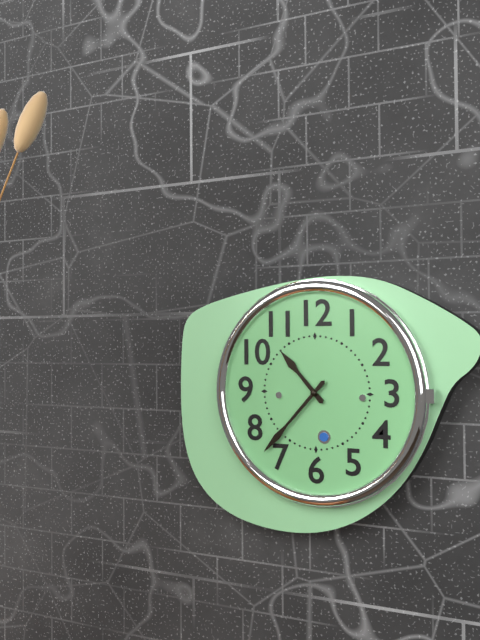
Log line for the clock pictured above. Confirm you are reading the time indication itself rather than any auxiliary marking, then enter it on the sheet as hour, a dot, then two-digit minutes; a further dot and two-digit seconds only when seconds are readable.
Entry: 10.37
